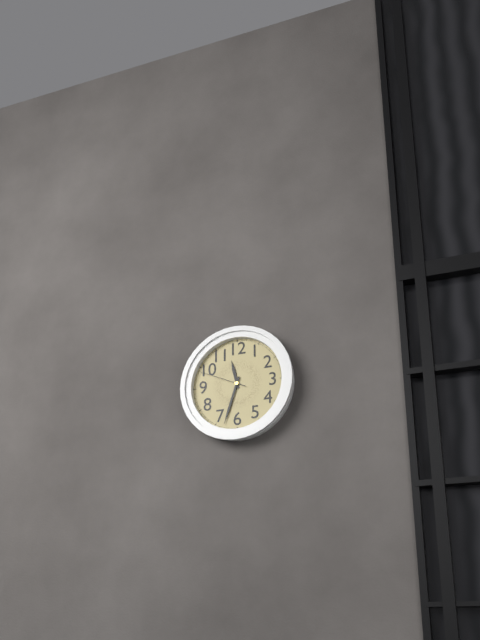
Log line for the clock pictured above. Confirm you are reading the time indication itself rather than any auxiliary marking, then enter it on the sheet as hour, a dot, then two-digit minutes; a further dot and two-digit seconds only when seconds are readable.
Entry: 11.33
